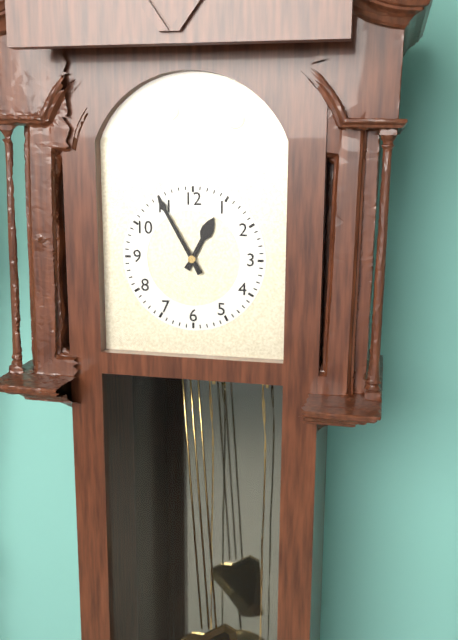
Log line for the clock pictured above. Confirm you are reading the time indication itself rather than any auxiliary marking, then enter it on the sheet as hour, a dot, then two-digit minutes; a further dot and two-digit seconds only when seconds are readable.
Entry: 12.55
